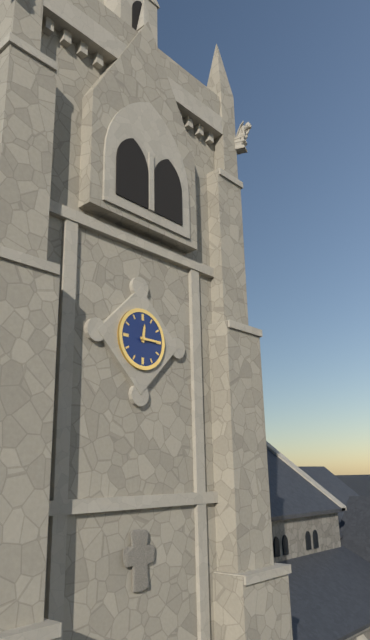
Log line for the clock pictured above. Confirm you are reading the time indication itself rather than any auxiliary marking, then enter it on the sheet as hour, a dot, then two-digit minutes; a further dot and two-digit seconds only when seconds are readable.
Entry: 12.15
